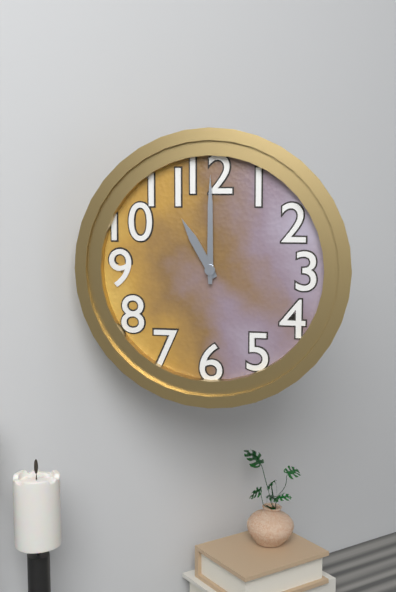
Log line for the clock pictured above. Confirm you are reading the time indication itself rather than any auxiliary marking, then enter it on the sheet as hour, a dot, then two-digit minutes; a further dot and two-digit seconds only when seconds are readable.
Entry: 11.00
